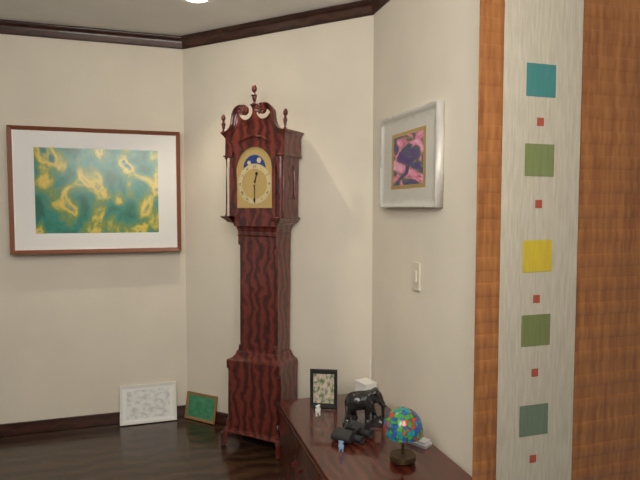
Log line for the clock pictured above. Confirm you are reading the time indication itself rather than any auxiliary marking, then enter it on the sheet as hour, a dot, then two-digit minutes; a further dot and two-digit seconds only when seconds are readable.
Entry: 12.30
